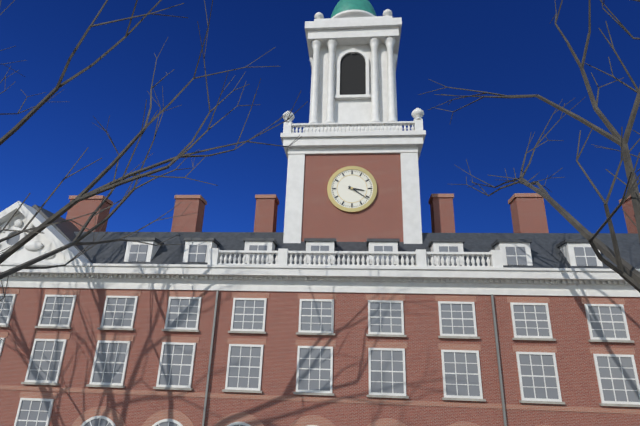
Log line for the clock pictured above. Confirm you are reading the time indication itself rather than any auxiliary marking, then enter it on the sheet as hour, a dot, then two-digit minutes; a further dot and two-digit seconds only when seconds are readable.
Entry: 3.21
